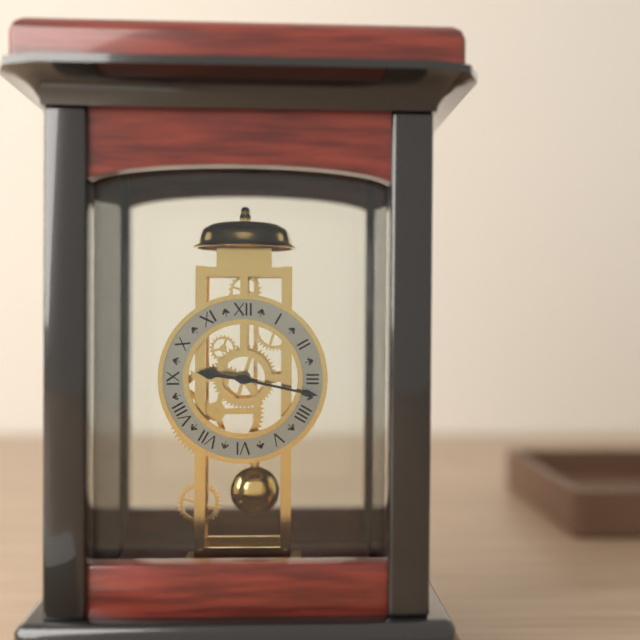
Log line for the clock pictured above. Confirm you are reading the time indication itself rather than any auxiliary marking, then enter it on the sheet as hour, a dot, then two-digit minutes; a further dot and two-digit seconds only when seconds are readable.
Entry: 9.17
